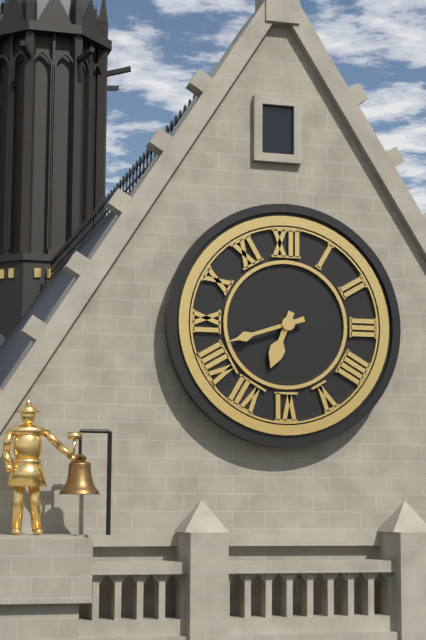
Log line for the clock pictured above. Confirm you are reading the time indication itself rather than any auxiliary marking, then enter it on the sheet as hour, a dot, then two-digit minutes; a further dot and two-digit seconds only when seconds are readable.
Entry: 6.42
